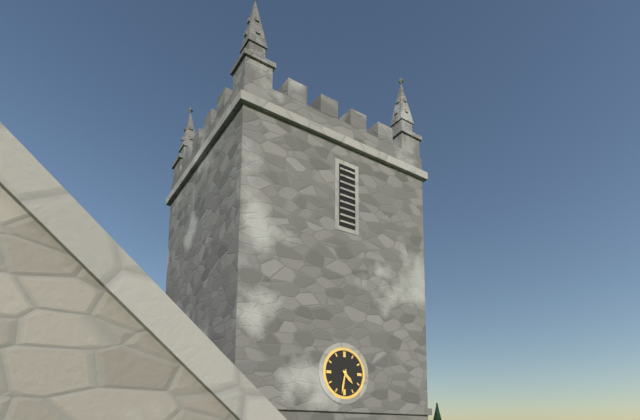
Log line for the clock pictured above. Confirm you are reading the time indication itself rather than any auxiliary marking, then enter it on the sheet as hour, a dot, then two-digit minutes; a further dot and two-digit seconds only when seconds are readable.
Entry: 4.32
